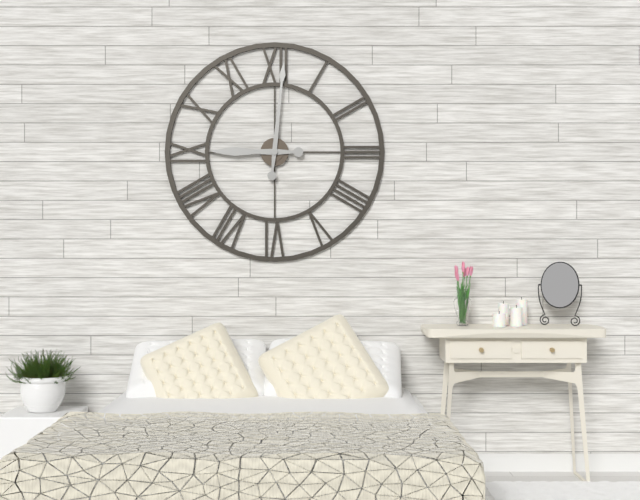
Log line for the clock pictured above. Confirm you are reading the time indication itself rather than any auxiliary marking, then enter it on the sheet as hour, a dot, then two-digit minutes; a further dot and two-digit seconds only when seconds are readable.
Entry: 9.01
